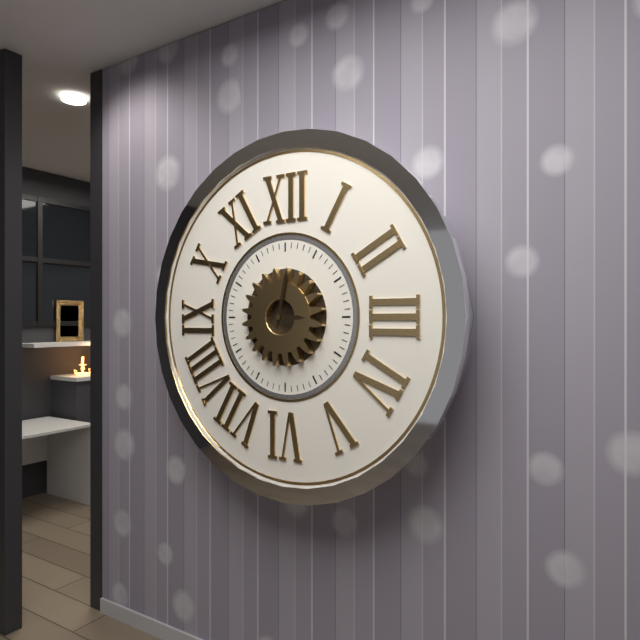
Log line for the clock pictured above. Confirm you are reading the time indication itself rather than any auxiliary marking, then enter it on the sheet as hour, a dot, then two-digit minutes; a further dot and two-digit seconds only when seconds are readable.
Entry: 3.02
